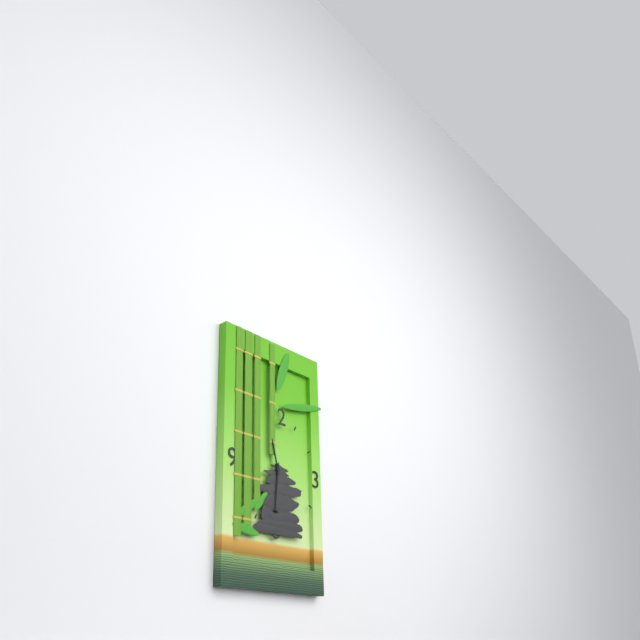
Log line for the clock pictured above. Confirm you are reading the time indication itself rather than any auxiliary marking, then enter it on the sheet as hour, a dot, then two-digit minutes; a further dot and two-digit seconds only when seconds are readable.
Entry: 11.31
